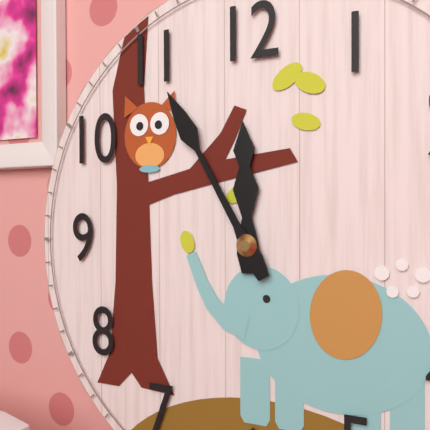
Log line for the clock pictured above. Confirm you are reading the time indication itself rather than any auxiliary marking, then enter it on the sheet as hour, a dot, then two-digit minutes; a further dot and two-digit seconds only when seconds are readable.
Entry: 11.55
